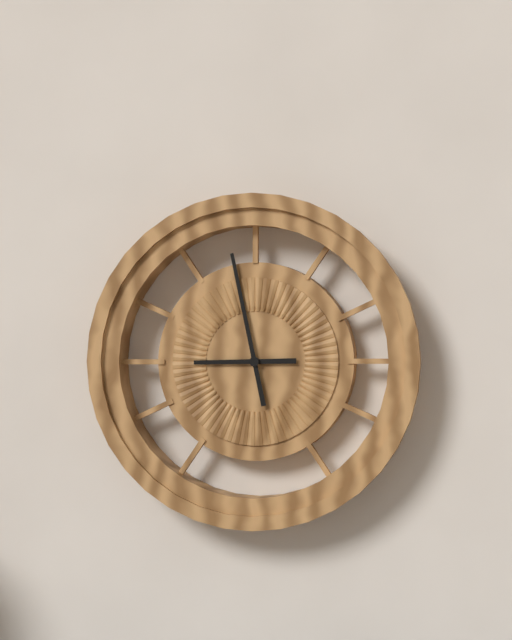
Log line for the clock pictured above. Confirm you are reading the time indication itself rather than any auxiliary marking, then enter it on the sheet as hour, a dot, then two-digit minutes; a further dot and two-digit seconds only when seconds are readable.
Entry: 8.58
